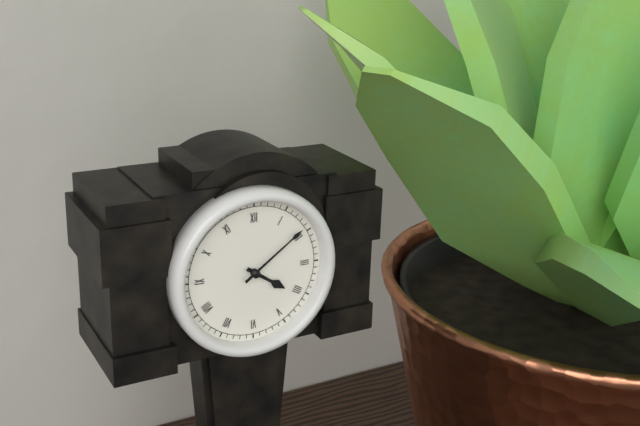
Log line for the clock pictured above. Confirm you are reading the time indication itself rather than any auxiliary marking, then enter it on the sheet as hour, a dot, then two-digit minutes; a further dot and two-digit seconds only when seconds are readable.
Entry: 4.09
